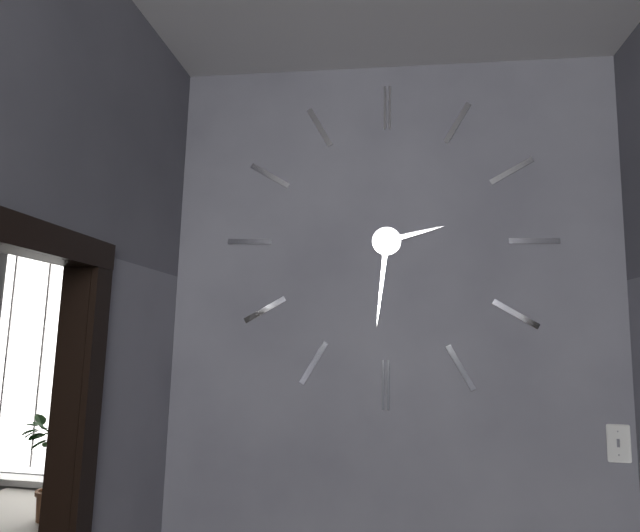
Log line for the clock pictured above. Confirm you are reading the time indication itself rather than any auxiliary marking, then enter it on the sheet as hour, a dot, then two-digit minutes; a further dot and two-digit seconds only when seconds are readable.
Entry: 2.31
